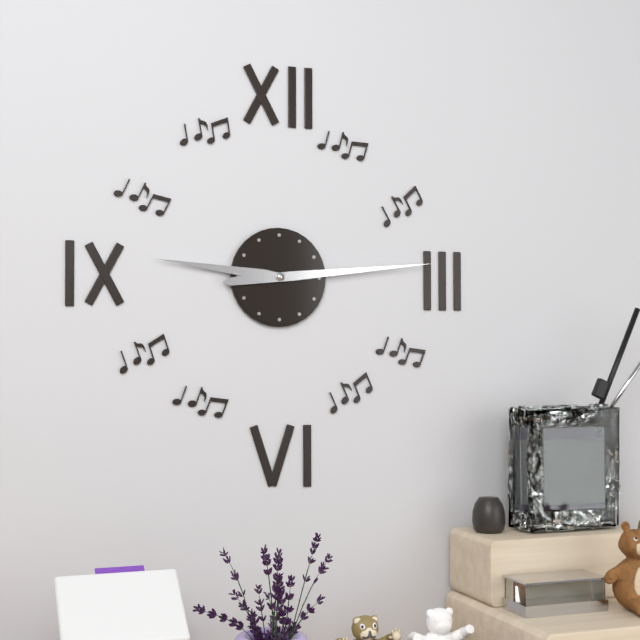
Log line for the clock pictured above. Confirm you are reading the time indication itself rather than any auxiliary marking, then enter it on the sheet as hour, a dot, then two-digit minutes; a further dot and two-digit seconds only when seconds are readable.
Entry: 9.14
